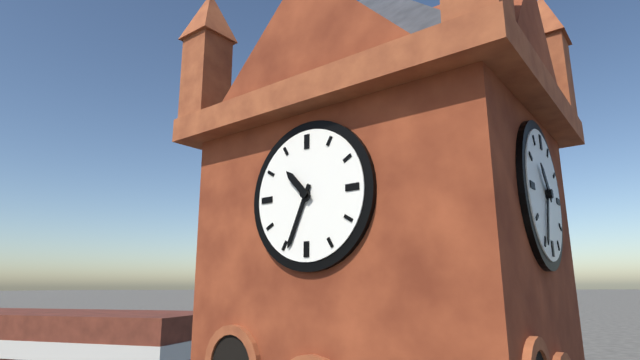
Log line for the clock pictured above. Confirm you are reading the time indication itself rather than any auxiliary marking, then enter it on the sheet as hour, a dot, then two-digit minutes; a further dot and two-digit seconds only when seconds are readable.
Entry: 10.34
